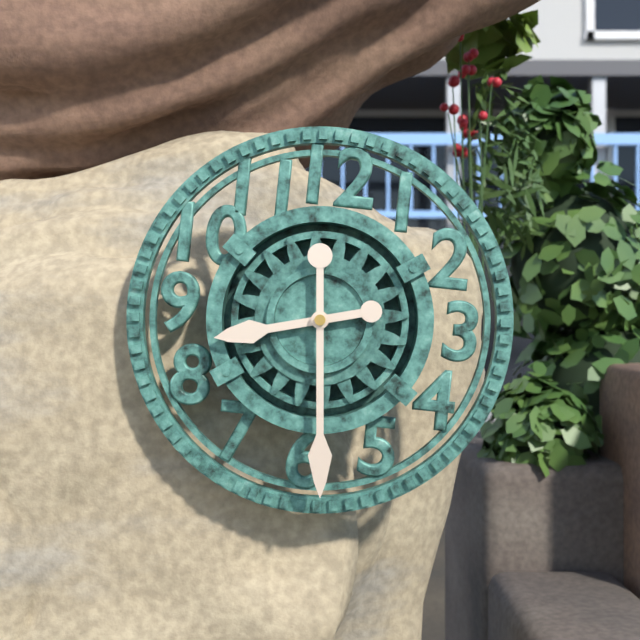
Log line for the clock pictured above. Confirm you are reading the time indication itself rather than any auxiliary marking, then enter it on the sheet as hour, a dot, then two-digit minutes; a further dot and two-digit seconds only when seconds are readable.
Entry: 8.29
